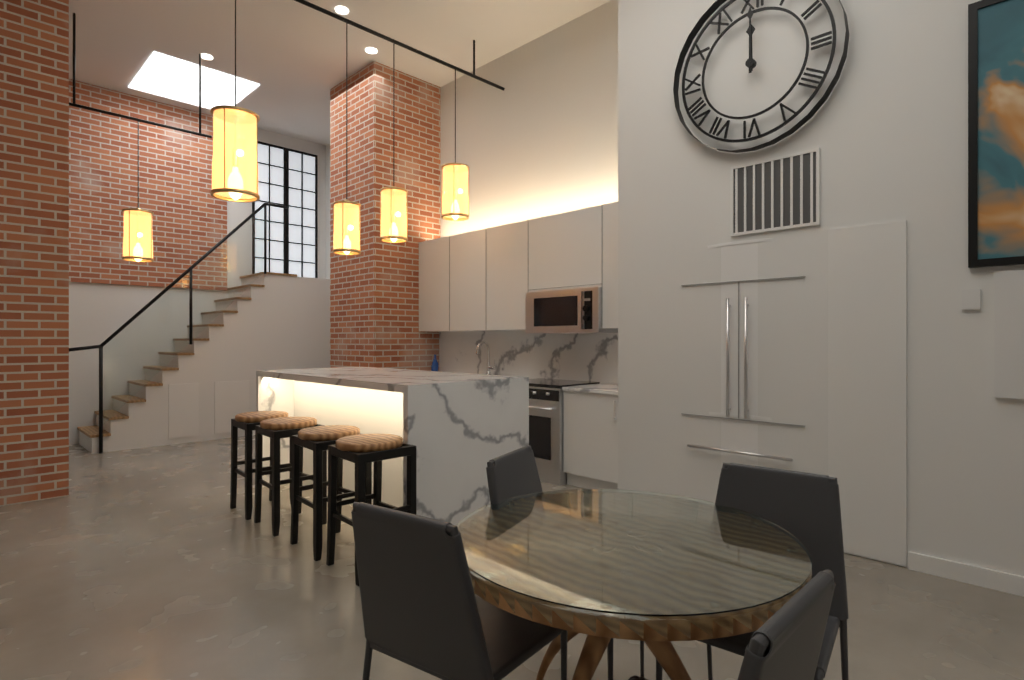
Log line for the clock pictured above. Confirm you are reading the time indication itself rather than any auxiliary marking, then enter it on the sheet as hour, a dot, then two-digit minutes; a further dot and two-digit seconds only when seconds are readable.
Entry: 12.00
